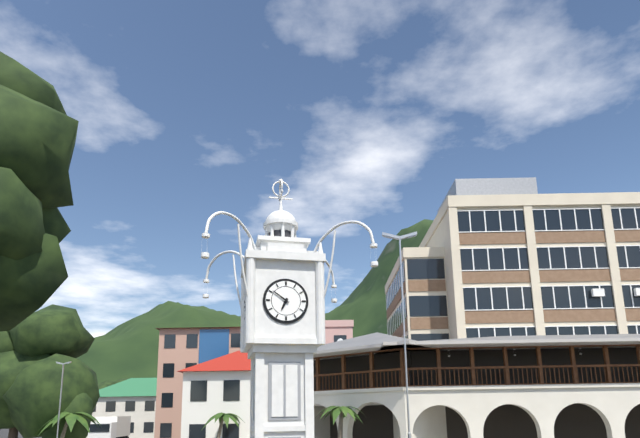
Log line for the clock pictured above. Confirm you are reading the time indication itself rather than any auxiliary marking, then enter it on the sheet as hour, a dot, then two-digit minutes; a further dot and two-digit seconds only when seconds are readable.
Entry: 6.51
